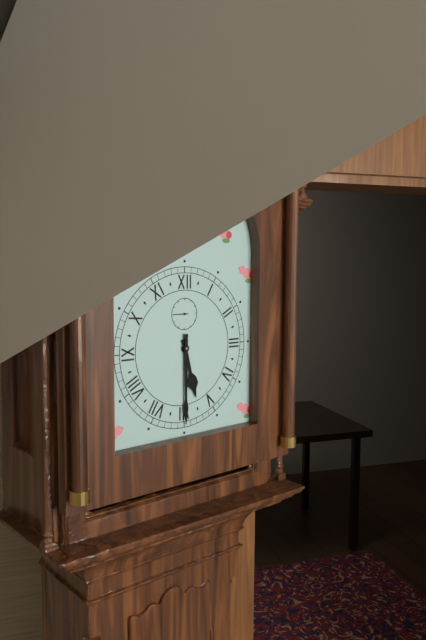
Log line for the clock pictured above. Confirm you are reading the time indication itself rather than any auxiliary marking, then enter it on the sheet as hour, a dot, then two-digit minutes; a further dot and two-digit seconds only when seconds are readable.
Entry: 5.30
